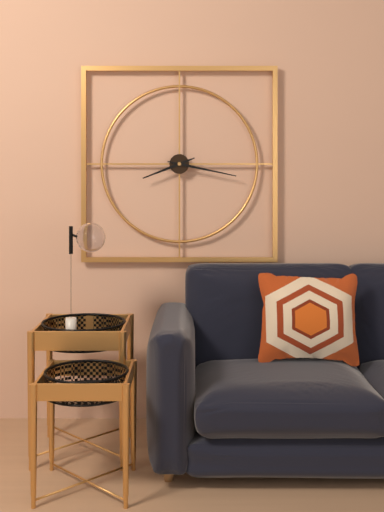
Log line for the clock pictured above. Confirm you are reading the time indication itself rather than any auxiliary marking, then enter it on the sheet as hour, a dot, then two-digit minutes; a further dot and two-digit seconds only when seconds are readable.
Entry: 8.17
